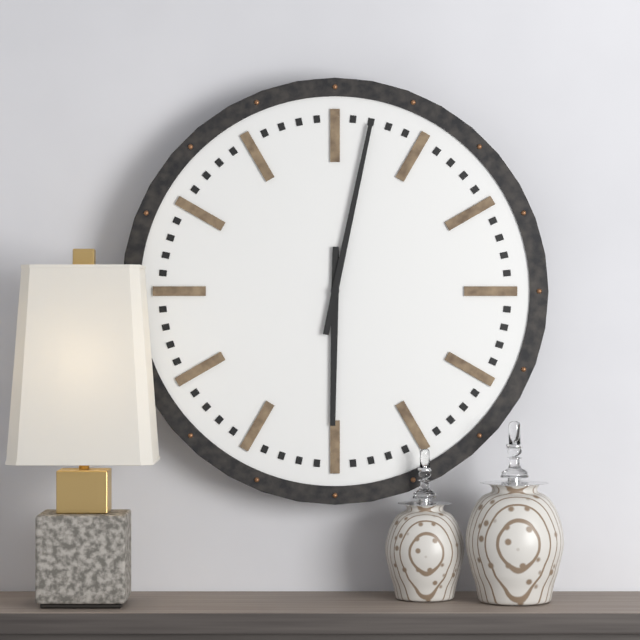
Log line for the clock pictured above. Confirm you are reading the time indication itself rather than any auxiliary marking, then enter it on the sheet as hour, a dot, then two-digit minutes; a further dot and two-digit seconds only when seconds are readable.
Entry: 6.02
